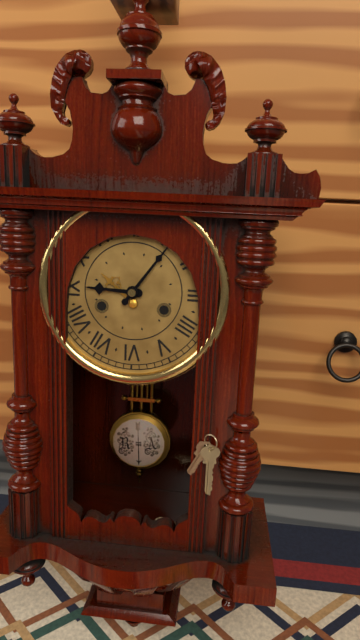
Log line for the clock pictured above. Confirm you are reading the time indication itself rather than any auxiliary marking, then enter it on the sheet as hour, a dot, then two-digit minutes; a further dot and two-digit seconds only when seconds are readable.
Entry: 9.06
